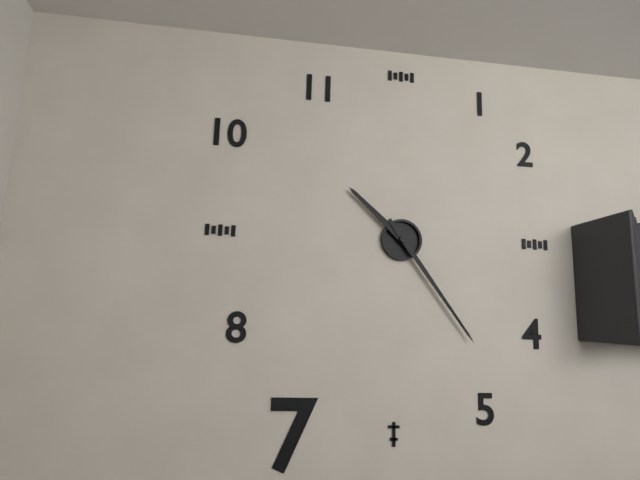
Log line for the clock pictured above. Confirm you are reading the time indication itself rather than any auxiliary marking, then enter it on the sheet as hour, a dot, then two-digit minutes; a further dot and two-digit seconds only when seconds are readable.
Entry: 10.24
